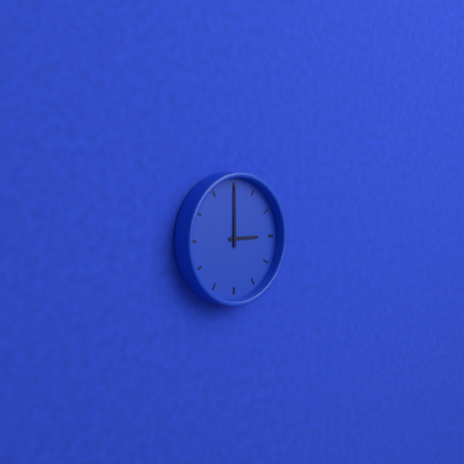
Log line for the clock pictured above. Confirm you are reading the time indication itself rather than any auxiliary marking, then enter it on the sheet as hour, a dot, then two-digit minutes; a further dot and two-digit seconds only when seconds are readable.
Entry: 3.00
